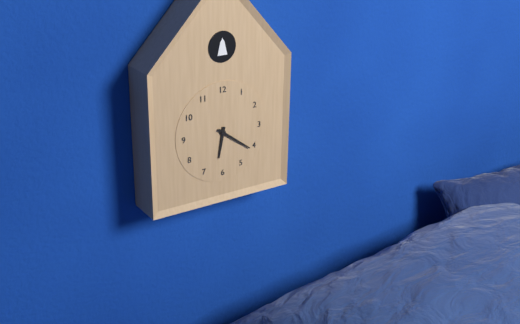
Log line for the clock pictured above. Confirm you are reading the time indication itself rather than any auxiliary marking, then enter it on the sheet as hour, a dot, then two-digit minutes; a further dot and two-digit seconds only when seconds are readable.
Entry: 6.21
